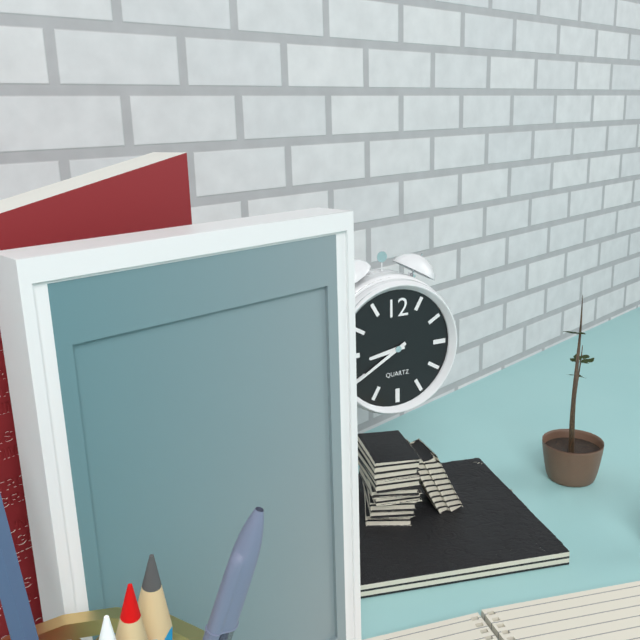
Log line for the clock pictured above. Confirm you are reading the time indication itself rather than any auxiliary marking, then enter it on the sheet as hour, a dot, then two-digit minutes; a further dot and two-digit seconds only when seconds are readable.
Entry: 8.40
